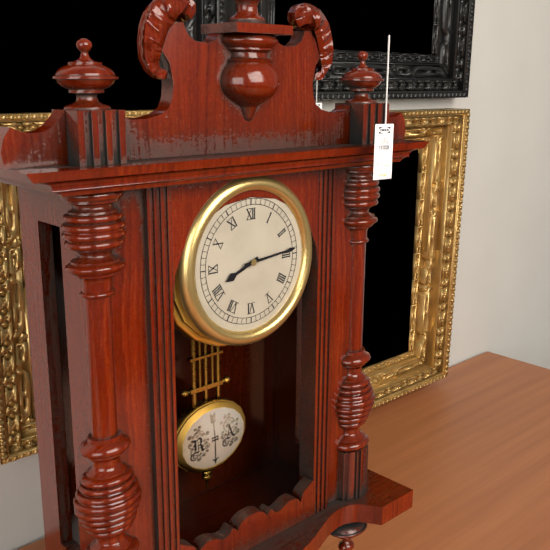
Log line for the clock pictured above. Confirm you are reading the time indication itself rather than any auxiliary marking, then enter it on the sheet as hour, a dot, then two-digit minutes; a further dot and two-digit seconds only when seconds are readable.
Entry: 8.14
